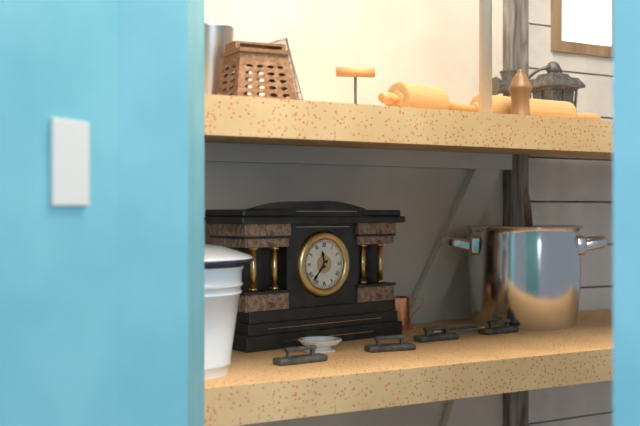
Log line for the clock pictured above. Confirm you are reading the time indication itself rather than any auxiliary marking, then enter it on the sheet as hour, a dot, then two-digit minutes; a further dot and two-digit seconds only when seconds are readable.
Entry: 11.37
